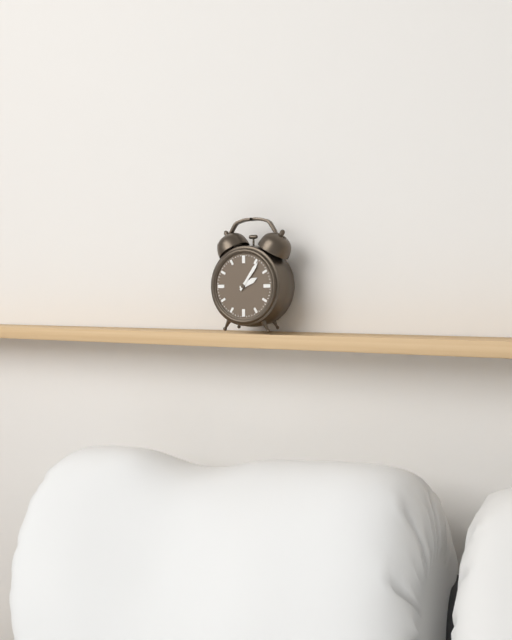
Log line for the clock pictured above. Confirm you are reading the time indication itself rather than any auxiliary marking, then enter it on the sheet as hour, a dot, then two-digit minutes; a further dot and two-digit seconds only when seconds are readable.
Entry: 2.06
